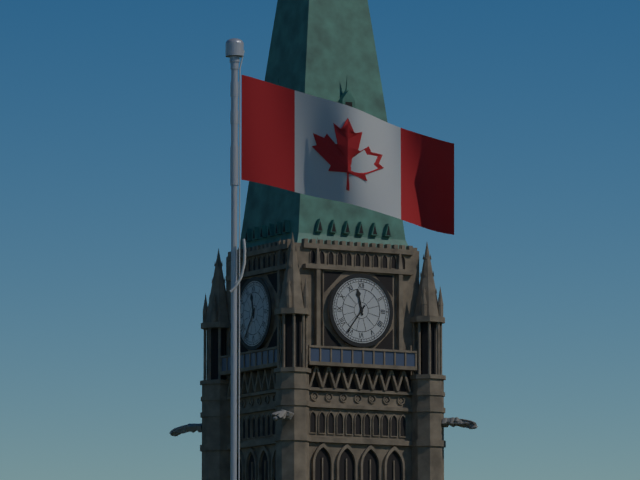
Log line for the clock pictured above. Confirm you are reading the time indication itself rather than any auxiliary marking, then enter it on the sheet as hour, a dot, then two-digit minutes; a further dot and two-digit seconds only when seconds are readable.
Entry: 11.36
